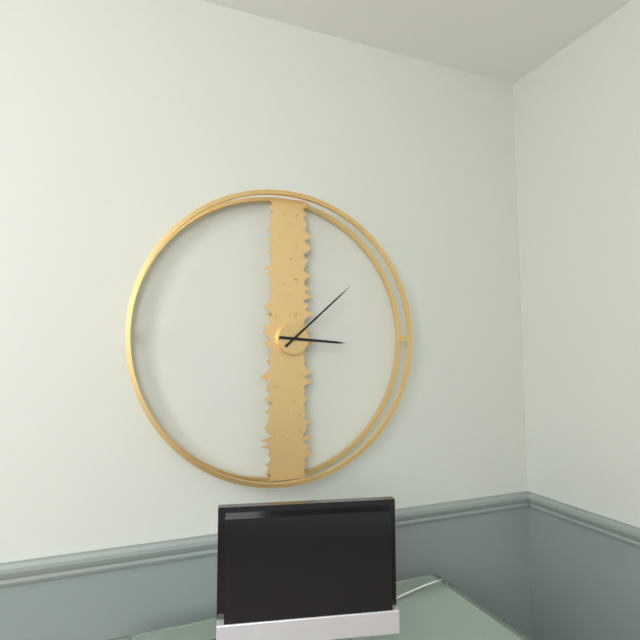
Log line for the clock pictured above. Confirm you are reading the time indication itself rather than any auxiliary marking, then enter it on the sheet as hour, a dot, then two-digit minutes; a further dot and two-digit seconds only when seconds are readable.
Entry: 3.08
